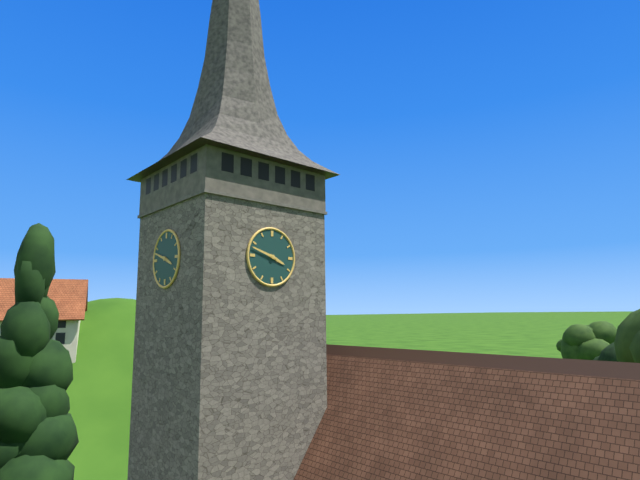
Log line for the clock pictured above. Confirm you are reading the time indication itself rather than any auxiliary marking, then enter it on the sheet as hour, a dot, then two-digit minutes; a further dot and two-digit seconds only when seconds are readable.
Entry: 3.48
